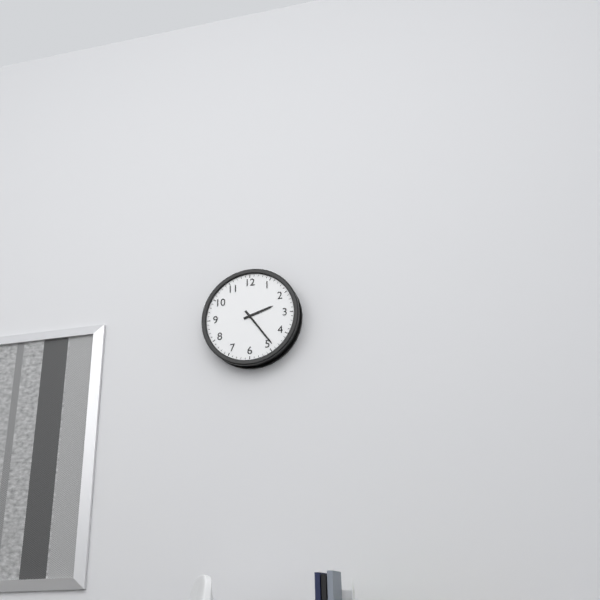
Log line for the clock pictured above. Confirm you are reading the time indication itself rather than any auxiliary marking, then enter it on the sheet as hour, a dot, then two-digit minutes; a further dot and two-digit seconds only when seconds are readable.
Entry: 2.24
